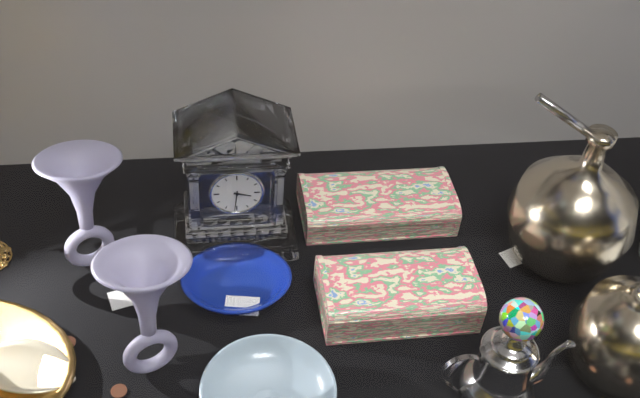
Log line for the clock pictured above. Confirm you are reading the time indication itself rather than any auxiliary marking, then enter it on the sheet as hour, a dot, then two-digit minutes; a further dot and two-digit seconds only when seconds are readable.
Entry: 3.31
